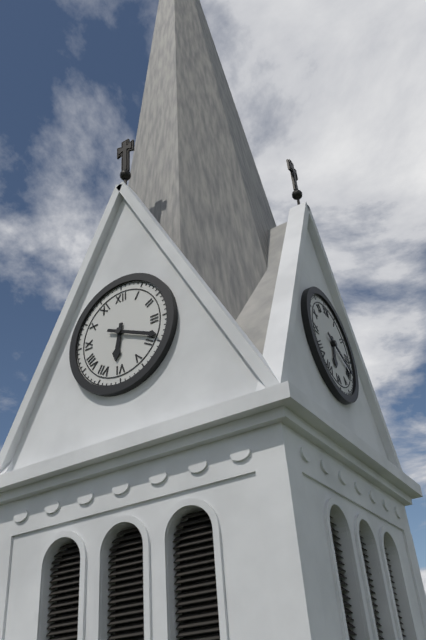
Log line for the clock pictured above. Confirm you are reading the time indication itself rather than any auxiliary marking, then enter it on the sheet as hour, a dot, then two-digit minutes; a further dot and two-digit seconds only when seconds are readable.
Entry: 6.19
